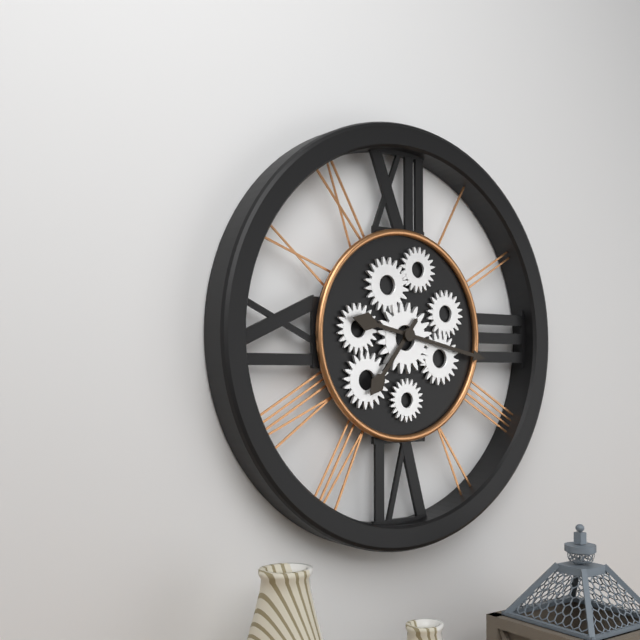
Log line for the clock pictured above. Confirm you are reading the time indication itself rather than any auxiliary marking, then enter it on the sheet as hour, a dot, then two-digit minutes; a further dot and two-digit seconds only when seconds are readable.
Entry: 7.17
